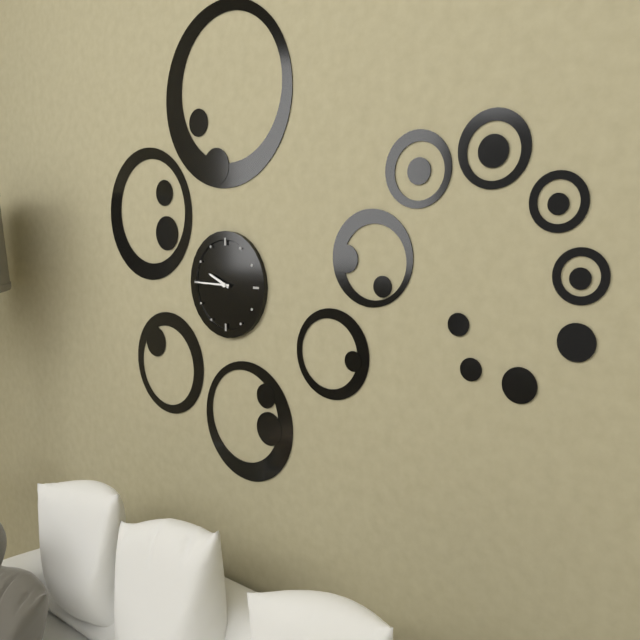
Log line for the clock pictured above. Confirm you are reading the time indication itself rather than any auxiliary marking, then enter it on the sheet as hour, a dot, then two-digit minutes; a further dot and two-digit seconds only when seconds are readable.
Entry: 9.45
